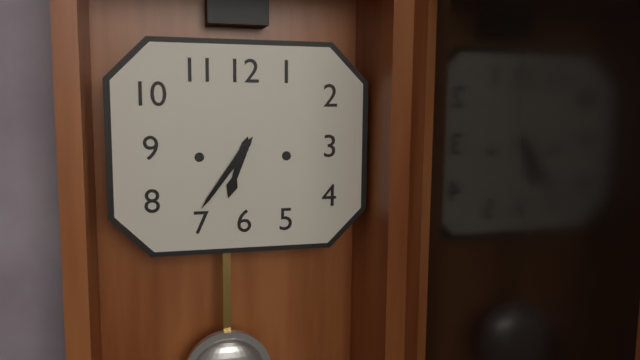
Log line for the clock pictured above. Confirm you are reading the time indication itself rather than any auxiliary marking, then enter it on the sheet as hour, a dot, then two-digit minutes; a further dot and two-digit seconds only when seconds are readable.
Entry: 6.36
